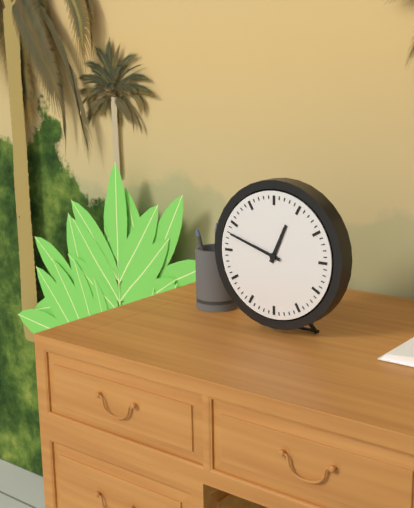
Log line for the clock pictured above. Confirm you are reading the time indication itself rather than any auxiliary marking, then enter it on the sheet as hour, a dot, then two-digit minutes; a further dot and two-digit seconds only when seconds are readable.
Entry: 12.48
